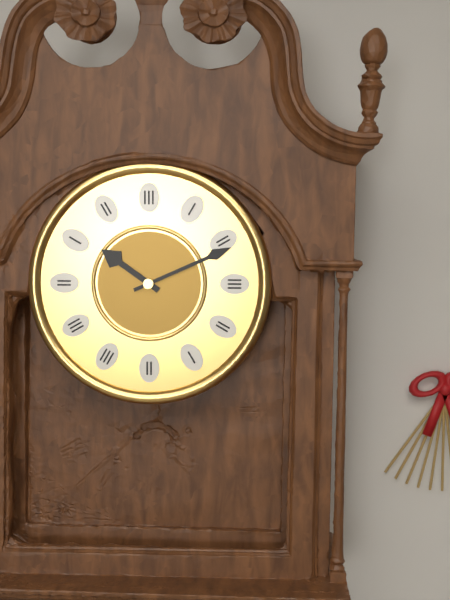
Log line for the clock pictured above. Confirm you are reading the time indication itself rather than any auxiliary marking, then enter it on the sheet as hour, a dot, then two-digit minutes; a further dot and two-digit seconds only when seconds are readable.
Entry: 10.11
